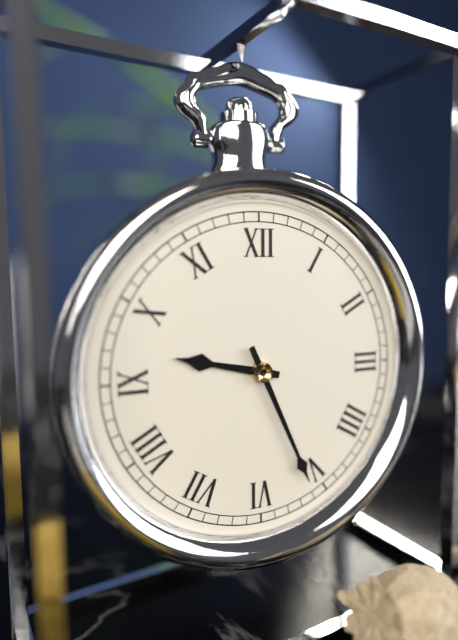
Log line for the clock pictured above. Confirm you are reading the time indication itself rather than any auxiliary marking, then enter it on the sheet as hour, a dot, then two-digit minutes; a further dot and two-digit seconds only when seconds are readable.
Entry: 9.26
